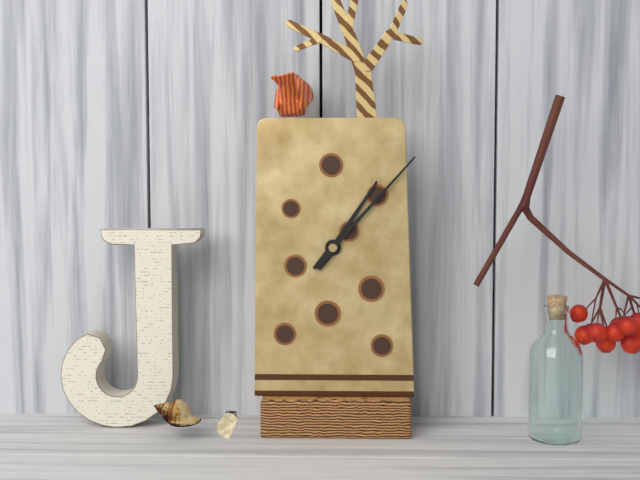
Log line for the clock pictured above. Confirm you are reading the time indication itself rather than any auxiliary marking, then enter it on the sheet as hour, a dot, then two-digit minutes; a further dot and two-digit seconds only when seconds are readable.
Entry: 1.07
